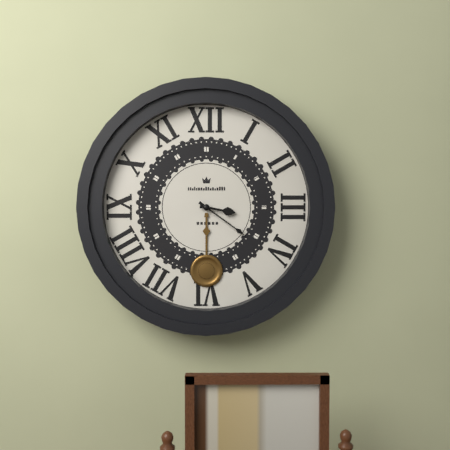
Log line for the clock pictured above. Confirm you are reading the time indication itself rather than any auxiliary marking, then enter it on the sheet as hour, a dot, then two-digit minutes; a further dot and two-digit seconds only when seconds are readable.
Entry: 3.21
